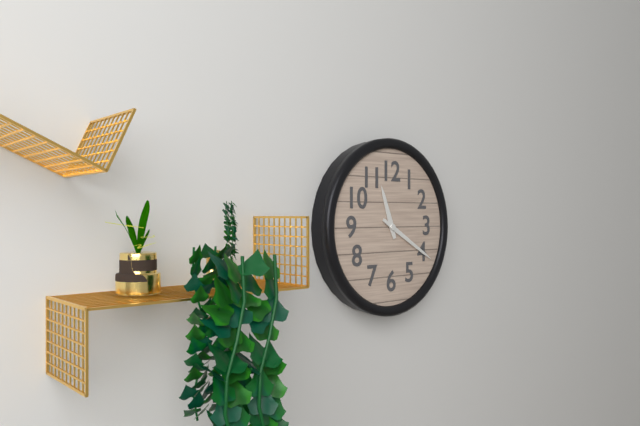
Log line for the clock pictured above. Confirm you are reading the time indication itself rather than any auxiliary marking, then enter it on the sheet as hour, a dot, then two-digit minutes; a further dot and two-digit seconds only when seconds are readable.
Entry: 11.20
